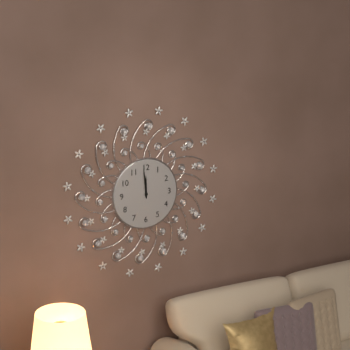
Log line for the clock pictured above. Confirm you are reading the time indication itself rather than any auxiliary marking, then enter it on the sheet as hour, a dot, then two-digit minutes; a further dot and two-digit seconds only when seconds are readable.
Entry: 11.59
